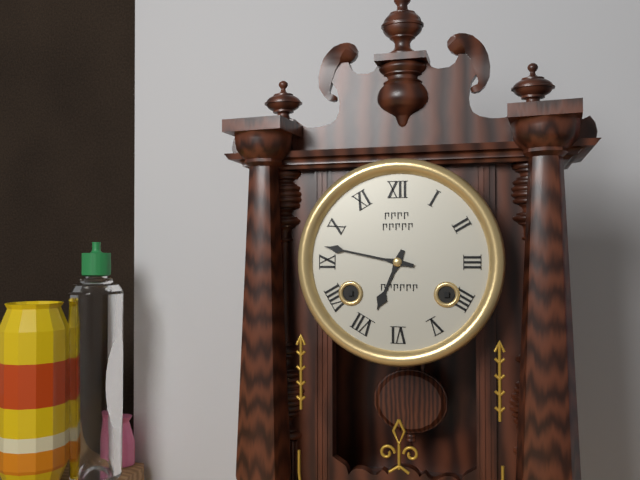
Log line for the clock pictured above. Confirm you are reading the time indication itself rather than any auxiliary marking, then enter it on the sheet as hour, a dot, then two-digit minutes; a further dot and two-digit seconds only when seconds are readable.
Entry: 6.47
